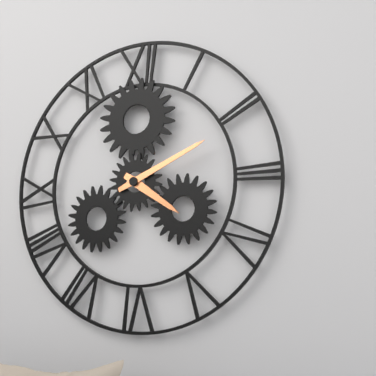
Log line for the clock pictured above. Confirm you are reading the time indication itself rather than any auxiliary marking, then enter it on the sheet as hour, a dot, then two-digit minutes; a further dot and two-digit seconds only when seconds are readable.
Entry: 4.11
